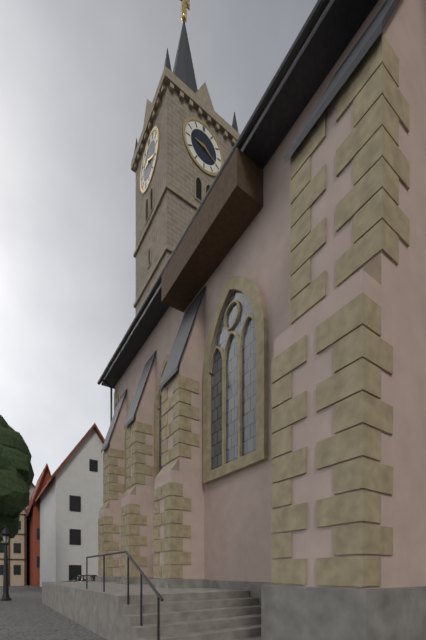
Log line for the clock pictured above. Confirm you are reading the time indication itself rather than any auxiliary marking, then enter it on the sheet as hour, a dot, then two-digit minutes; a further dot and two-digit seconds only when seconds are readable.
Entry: 9.20
